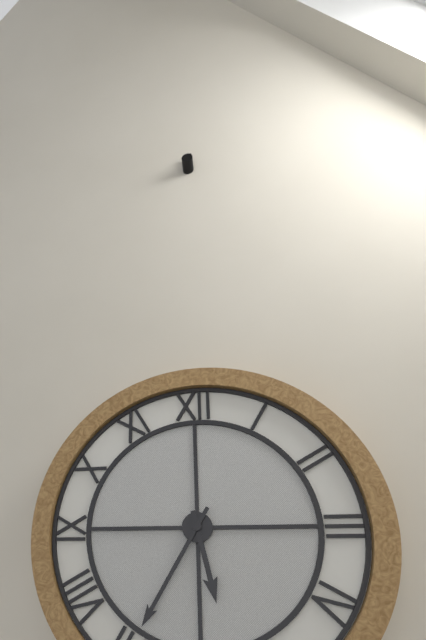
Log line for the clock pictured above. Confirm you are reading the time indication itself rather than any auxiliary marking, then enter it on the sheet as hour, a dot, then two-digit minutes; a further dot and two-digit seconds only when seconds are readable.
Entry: 5.35
